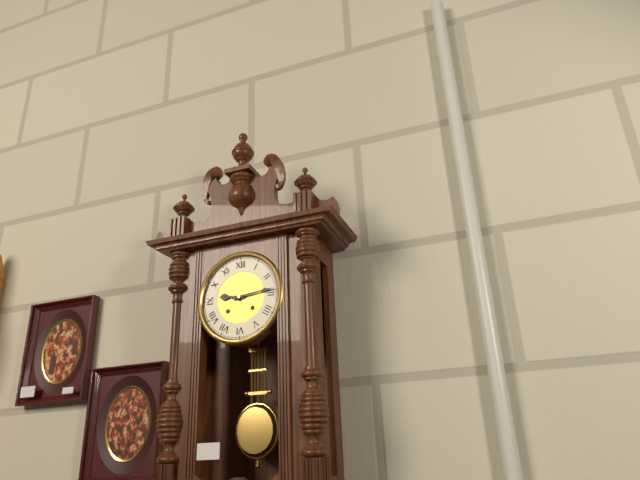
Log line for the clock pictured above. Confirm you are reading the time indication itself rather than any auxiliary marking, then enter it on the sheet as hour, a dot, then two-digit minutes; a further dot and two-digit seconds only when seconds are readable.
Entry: 9.14
